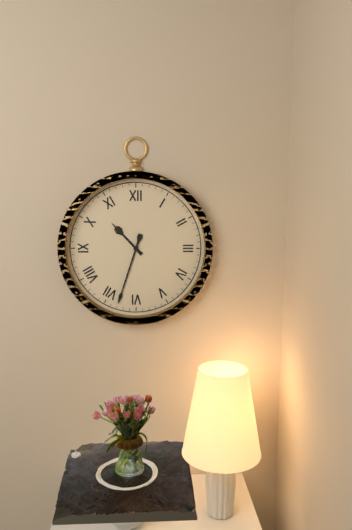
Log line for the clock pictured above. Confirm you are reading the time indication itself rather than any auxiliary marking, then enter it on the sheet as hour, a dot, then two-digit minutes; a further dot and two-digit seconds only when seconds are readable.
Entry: 10.33
